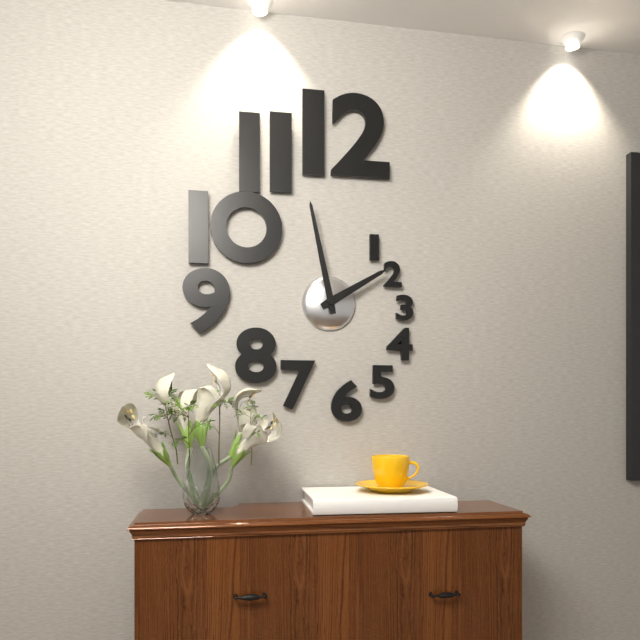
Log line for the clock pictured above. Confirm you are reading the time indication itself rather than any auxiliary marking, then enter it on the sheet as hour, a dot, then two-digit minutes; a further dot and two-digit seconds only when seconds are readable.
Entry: 1.58
